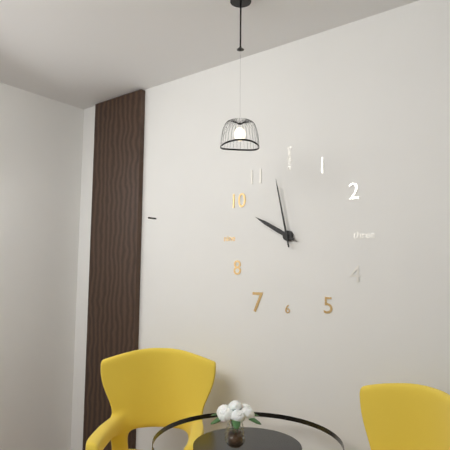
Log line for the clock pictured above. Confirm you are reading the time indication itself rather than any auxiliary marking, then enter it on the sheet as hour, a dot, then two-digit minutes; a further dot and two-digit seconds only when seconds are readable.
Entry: 9.58
